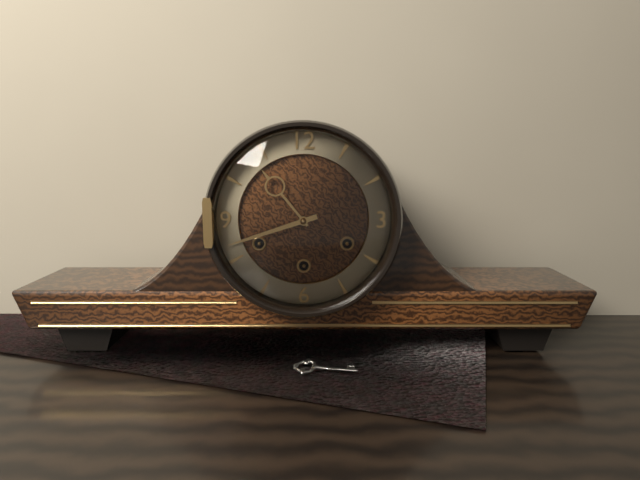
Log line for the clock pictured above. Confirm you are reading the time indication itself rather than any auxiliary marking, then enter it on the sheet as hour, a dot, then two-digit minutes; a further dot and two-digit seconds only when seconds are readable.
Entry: 10.42
